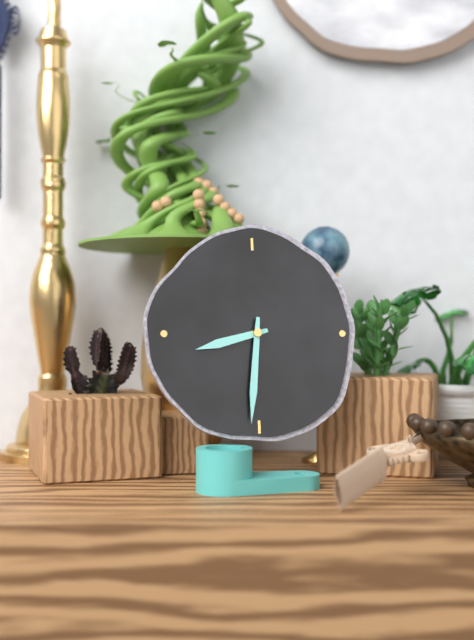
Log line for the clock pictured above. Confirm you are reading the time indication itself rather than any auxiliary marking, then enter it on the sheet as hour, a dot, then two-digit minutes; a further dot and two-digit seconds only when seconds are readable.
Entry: 8.31
